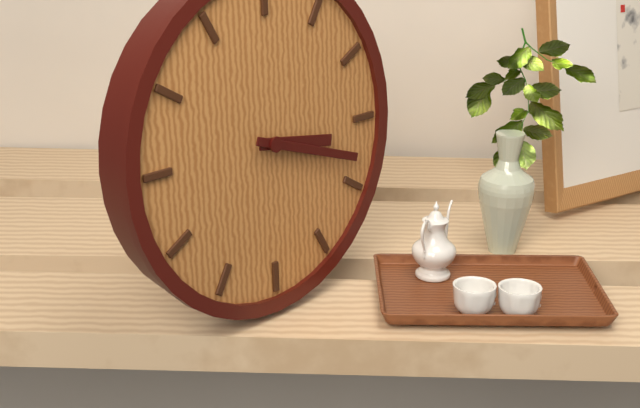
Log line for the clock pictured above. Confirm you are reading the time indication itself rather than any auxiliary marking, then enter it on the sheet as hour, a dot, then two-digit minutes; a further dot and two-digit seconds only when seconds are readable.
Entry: 3.18
